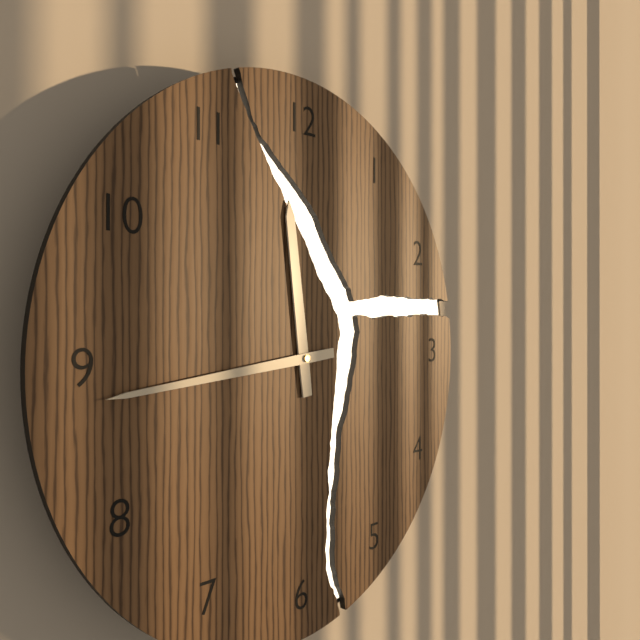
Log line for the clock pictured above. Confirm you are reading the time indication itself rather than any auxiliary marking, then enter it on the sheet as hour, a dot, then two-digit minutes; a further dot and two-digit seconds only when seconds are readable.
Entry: 11.44
